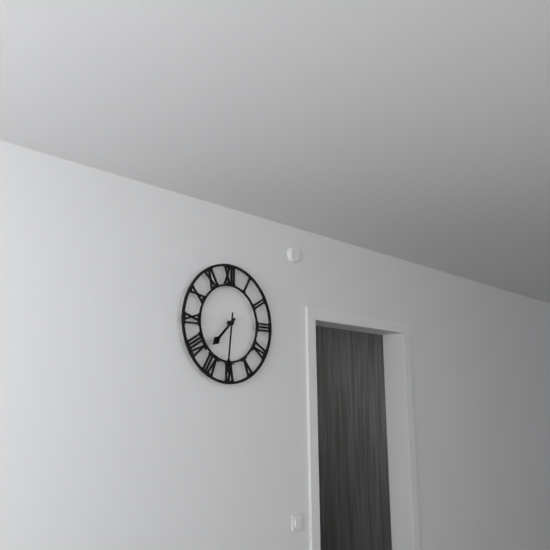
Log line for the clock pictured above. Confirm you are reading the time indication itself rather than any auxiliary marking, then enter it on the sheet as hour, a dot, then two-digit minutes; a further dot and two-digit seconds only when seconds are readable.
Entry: 7.31
